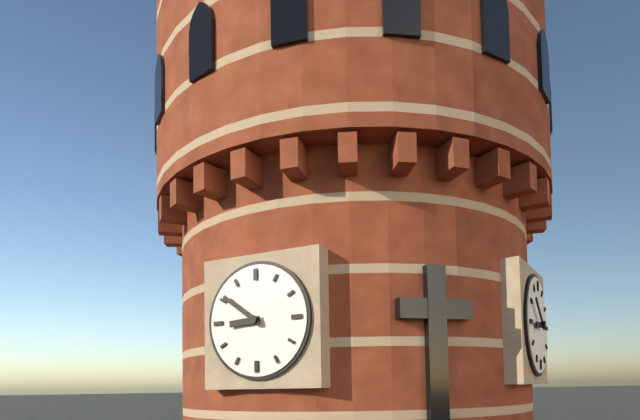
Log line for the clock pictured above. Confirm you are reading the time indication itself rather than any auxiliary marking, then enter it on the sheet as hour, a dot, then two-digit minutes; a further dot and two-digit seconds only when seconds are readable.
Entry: 8.51
